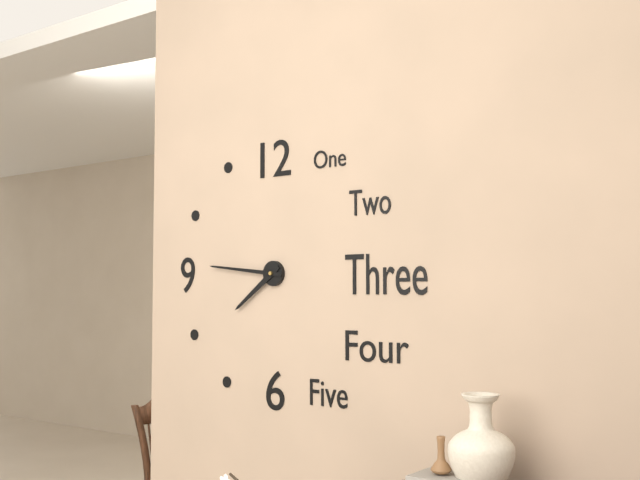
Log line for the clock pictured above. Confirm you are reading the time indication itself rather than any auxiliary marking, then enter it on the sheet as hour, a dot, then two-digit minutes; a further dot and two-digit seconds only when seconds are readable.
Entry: 7.46
